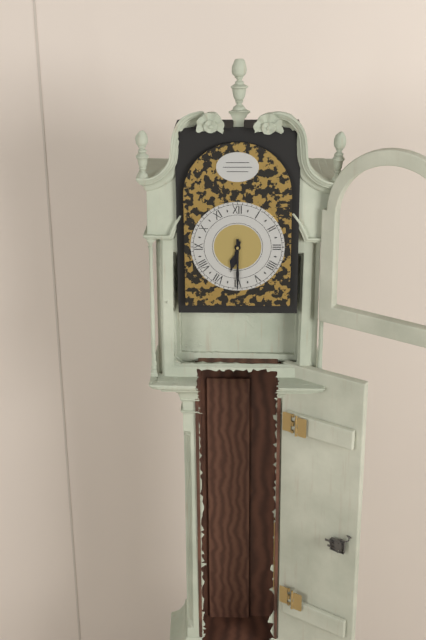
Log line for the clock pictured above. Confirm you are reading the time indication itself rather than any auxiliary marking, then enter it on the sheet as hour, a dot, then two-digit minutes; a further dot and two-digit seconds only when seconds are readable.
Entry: 6.30
